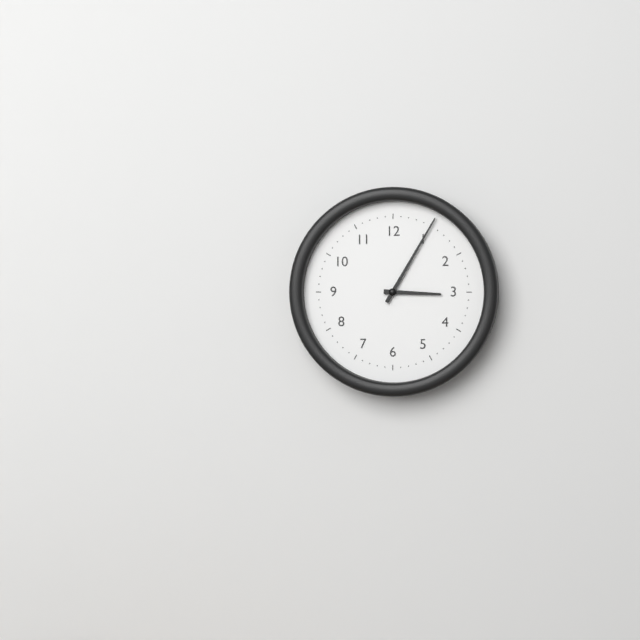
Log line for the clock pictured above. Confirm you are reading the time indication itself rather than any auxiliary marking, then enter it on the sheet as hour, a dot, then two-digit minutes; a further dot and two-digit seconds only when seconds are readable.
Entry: 3.05
